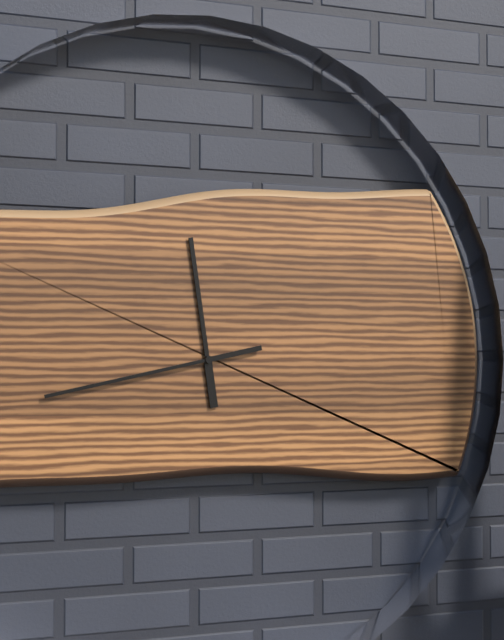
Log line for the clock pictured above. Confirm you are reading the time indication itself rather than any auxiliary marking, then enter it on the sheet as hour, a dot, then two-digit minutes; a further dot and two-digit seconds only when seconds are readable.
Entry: 11.43
